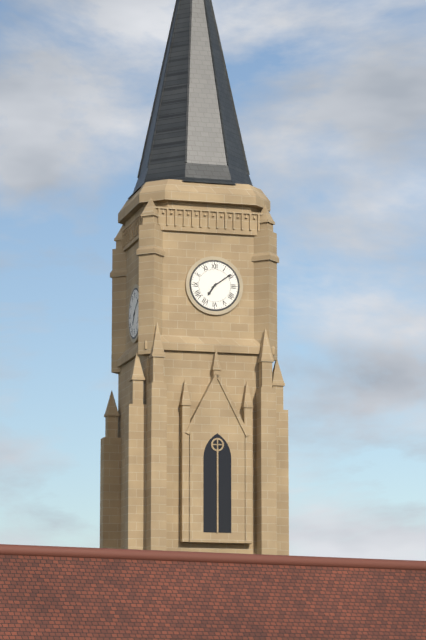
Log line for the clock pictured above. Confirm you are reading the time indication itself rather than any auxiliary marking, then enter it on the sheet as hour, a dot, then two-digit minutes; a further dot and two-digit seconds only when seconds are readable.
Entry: 7.09
